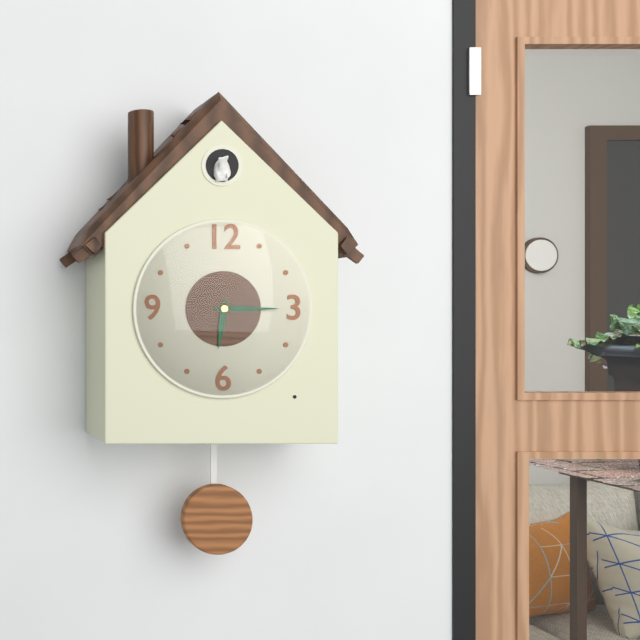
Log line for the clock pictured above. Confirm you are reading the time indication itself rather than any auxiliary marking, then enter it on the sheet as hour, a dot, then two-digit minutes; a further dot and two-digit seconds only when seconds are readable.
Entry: 6.15
